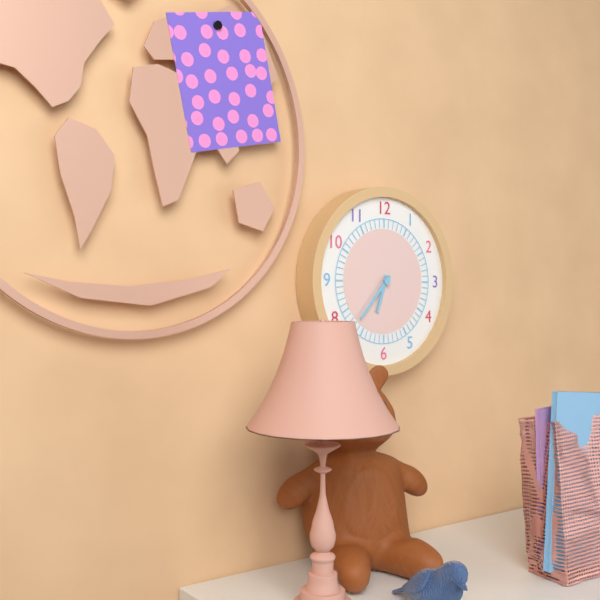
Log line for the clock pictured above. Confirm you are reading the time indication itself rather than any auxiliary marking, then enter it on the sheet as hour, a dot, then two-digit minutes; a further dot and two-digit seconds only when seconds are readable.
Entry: 6.37
